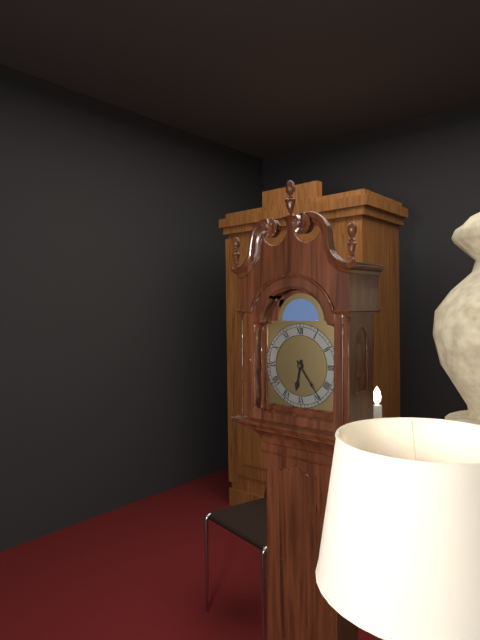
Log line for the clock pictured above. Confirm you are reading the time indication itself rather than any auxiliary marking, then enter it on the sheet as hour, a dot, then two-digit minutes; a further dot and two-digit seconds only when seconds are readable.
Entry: 6.24
